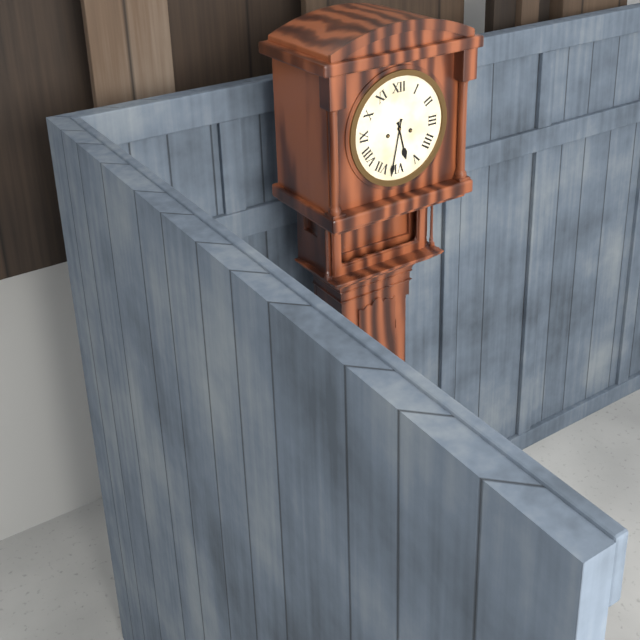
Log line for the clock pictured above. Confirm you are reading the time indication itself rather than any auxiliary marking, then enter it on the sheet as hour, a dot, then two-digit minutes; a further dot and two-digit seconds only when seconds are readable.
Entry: 5.32
